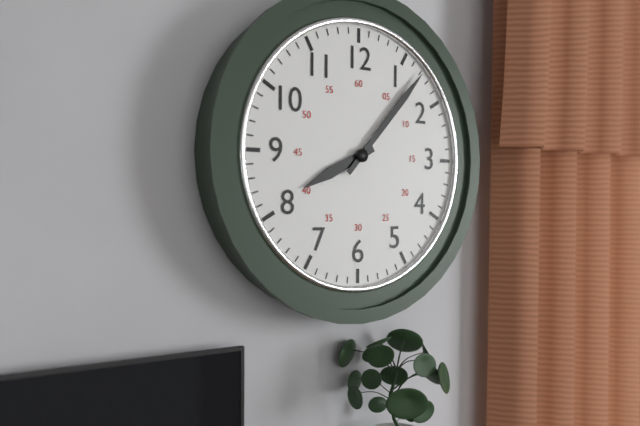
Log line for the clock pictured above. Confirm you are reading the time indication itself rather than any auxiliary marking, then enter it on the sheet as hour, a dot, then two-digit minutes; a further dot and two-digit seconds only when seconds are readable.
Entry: 8.07
